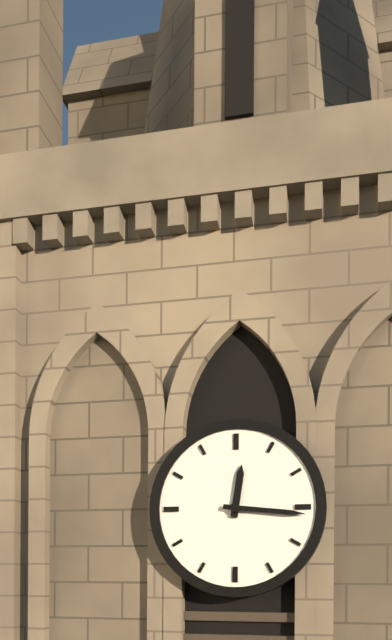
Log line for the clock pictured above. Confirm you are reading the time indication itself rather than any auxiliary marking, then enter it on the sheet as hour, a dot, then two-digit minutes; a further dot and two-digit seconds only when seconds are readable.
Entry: 12.16
